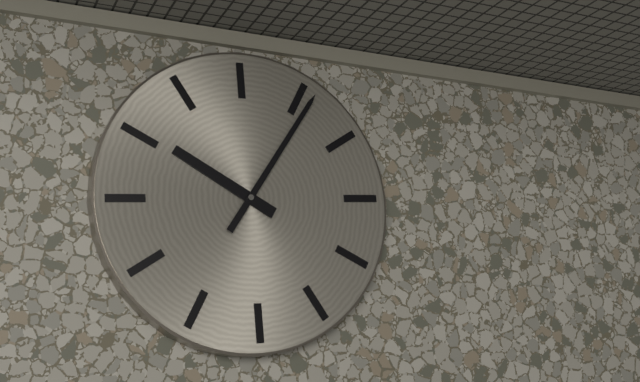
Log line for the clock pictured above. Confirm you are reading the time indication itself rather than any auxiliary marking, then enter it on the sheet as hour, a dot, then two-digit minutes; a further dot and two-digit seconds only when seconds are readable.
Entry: 10.06
